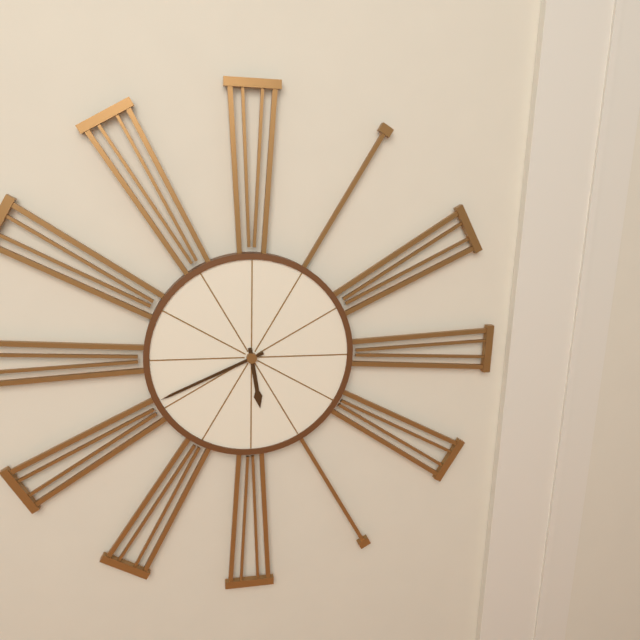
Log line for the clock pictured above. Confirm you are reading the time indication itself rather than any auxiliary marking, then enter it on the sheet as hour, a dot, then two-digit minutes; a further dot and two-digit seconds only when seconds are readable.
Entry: 5.41
